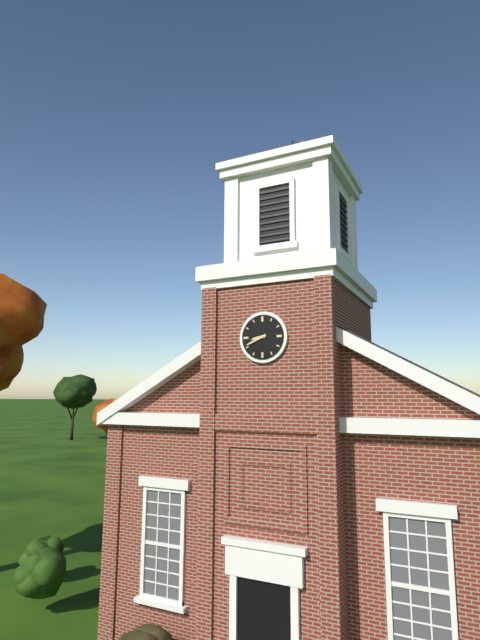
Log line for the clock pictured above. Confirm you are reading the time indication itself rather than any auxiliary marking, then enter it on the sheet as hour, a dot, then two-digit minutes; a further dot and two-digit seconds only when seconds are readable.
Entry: 8.41
